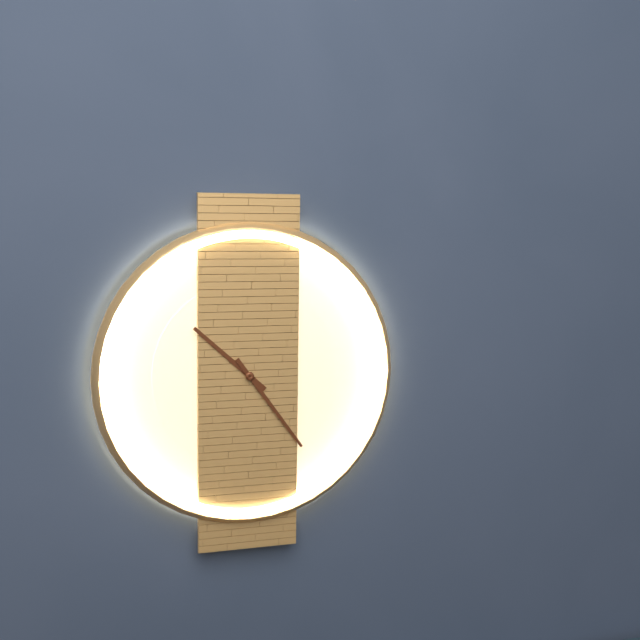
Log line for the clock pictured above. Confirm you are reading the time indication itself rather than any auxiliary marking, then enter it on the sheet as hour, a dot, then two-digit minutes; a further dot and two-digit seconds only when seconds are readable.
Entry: 10.24
